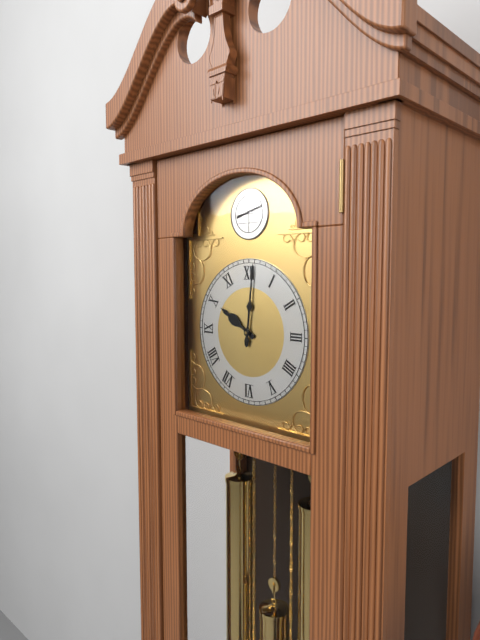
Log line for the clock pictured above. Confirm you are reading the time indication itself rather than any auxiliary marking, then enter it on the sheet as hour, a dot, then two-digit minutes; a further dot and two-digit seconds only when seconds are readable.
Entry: 10.01
